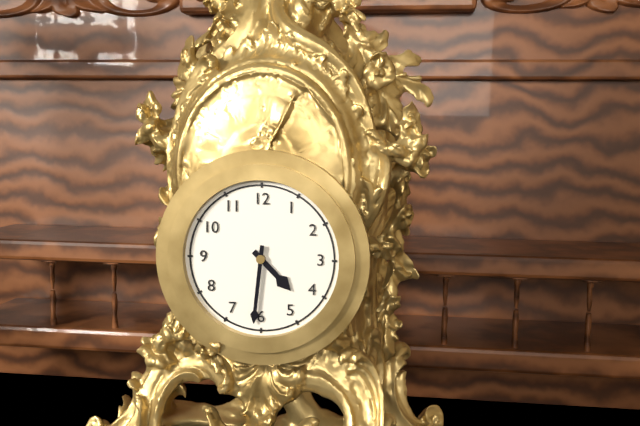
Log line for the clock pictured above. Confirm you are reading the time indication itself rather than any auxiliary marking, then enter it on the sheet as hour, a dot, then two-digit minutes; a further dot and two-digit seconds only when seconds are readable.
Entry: 4.31
